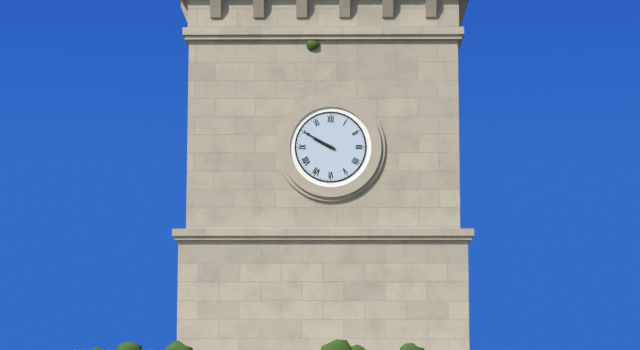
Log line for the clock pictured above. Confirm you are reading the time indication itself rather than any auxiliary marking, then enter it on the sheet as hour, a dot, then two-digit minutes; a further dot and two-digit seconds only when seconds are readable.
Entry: 9.50
